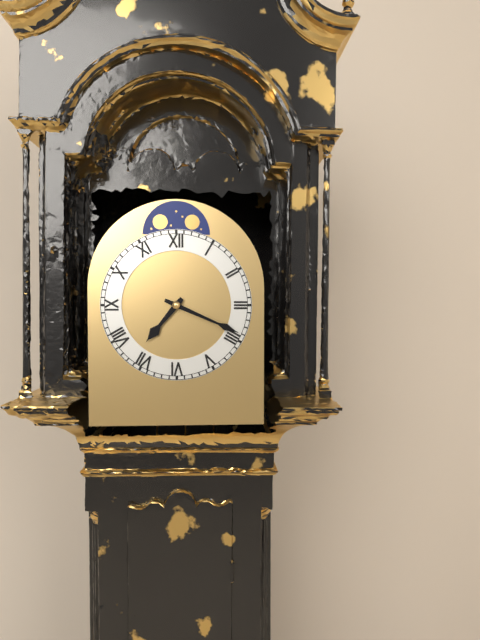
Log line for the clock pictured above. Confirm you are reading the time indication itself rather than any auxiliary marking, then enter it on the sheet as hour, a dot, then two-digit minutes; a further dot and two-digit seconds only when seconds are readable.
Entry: 7.19
